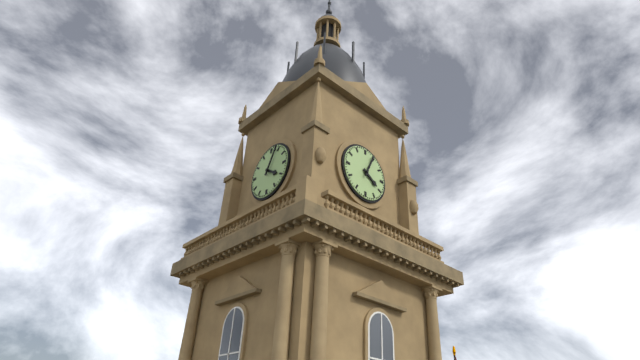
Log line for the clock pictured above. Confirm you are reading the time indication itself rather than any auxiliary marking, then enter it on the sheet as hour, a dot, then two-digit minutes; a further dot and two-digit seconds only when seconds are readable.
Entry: 4.04
